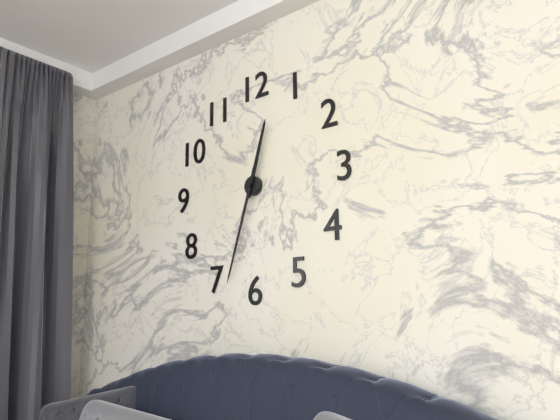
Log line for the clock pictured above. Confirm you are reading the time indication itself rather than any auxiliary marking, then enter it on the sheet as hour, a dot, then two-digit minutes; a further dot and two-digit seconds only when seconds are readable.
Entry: 12.33
